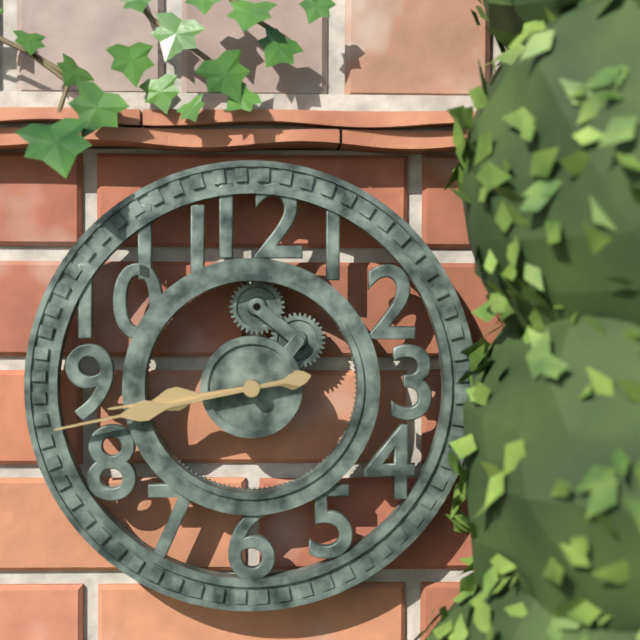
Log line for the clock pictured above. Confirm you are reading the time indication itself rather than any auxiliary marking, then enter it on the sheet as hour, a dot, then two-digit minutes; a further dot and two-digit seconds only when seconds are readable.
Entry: 8.43
